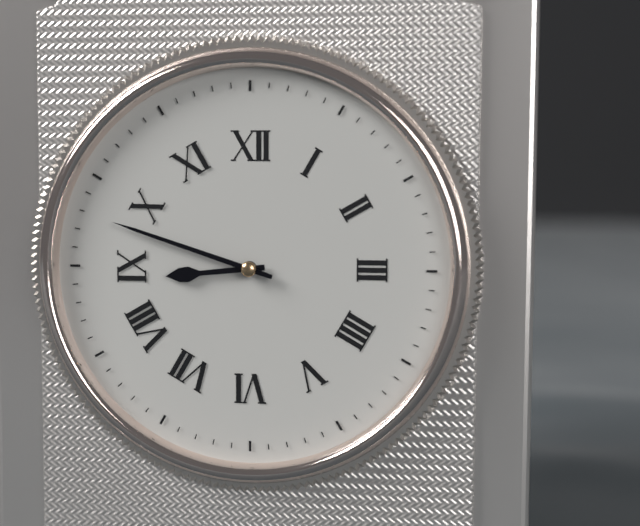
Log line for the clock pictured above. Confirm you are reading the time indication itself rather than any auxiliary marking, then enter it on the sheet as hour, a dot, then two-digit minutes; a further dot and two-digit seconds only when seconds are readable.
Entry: 8.48
